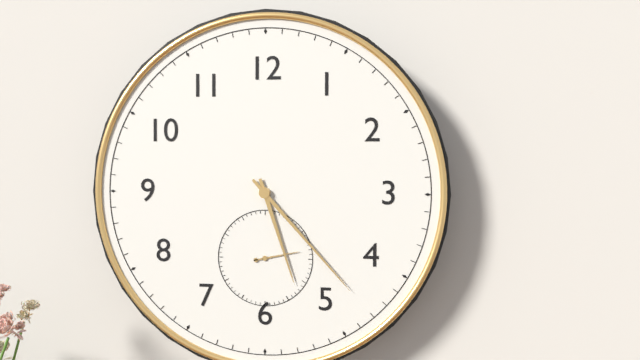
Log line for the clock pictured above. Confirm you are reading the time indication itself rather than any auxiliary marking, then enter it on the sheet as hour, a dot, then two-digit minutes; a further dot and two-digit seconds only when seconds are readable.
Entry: 5.23
